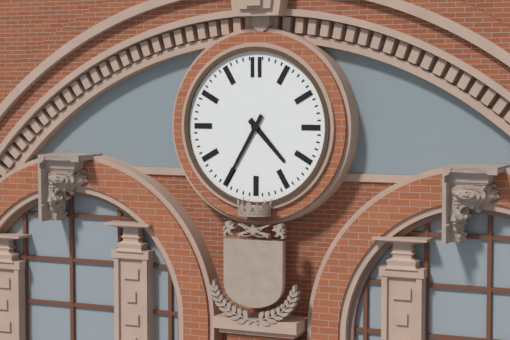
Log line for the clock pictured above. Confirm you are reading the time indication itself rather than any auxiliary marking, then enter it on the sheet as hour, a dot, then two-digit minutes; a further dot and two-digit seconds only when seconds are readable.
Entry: 4.35
